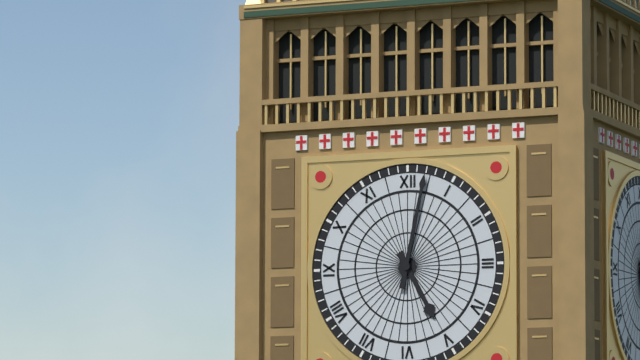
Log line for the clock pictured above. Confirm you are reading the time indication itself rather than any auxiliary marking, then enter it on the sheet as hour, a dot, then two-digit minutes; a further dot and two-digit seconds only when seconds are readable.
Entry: 5.02
